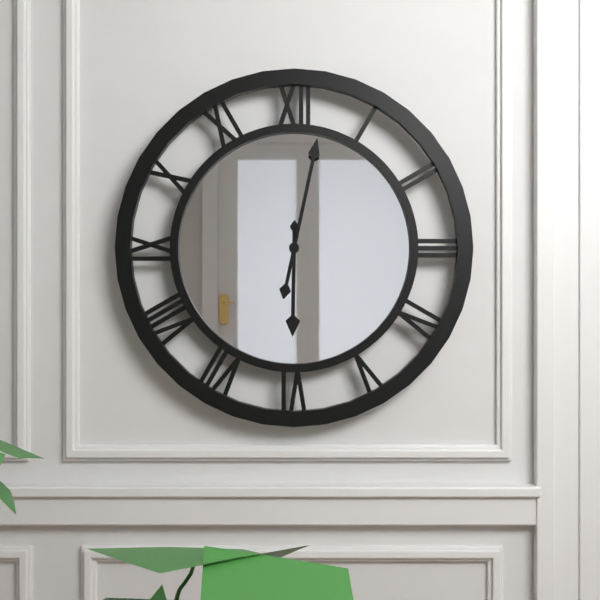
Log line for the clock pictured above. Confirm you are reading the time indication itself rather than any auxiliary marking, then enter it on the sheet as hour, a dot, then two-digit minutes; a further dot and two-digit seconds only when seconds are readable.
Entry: 6.02
